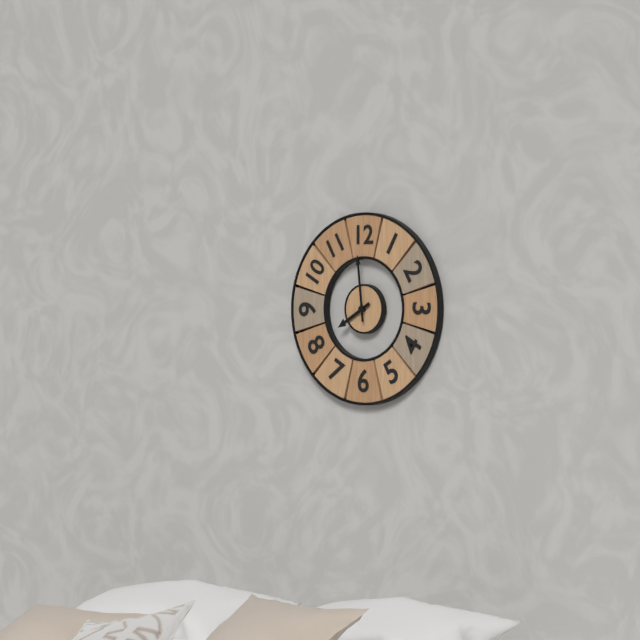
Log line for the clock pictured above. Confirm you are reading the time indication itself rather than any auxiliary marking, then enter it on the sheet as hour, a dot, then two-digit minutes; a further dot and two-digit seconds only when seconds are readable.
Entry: 7.59
